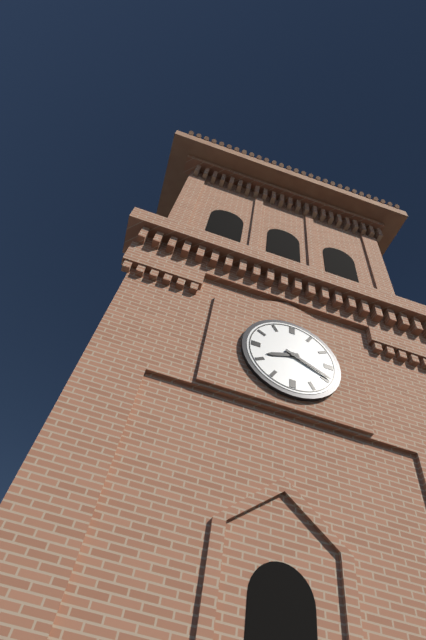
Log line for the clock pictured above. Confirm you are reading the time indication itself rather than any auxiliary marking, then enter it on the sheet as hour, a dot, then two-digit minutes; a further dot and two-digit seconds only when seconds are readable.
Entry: 8.19
